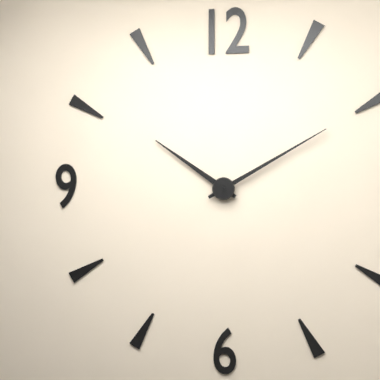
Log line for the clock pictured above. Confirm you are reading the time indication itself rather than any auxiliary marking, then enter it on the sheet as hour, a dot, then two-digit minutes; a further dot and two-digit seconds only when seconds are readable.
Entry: 10.10
